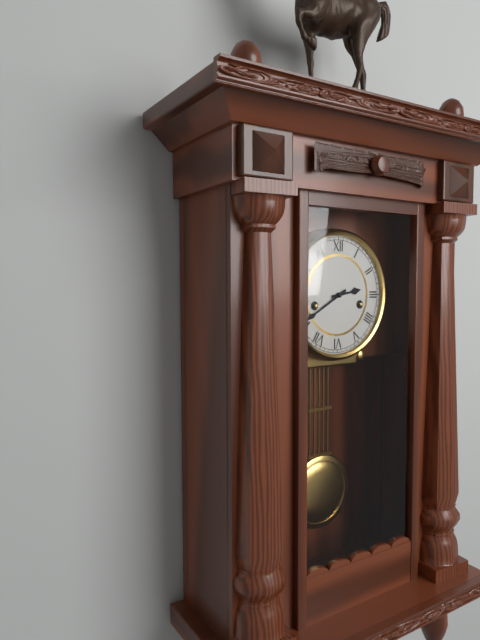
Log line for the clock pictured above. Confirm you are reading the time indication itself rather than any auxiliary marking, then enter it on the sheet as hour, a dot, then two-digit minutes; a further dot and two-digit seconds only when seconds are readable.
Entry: 2.40
